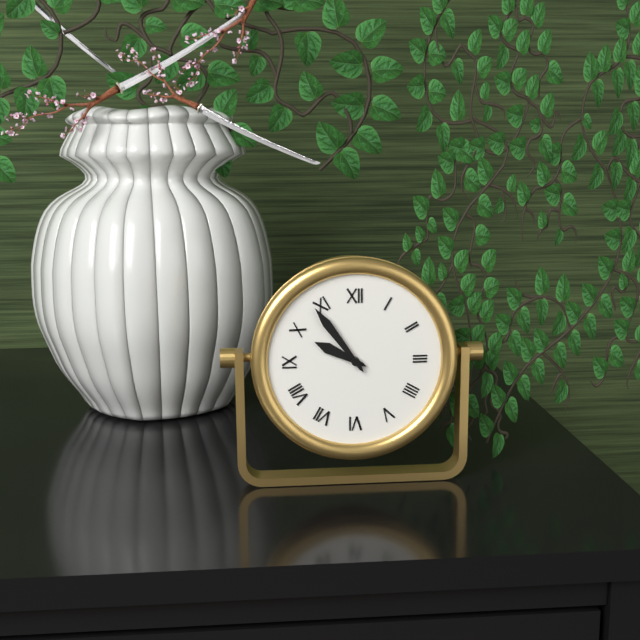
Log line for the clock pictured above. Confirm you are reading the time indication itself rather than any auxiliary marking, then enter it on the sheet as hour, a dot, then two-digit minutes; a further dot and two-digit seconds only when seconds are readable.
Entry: 9.54
